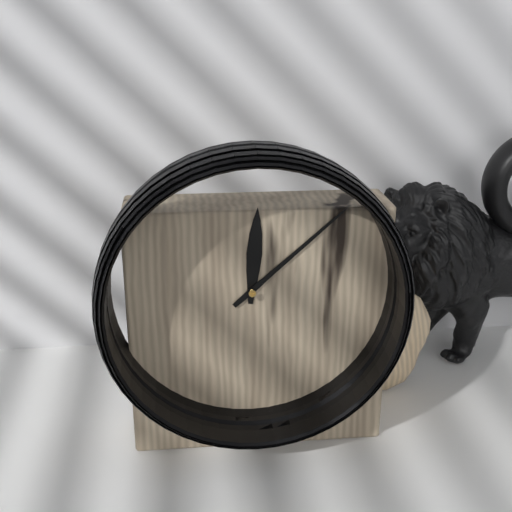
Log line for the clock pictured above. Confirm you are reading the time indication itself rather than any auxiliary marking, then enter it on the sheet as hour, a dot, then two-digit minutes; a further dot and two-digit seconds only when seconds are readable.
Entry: 12.08
